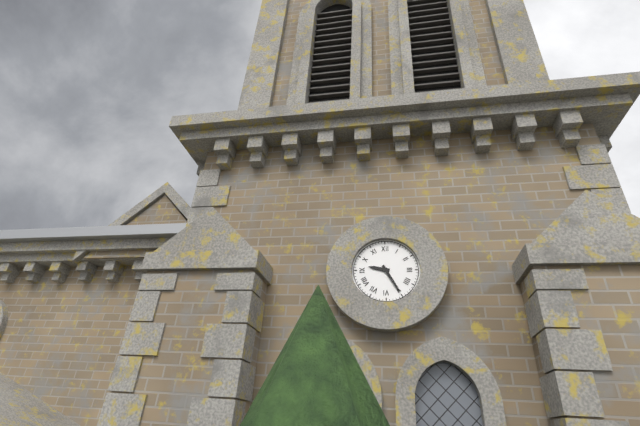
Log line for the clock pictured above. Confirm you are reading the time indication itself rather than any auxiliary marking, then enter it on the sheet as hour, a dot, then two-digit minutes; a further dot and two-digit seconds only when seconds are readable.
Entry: 9.25
